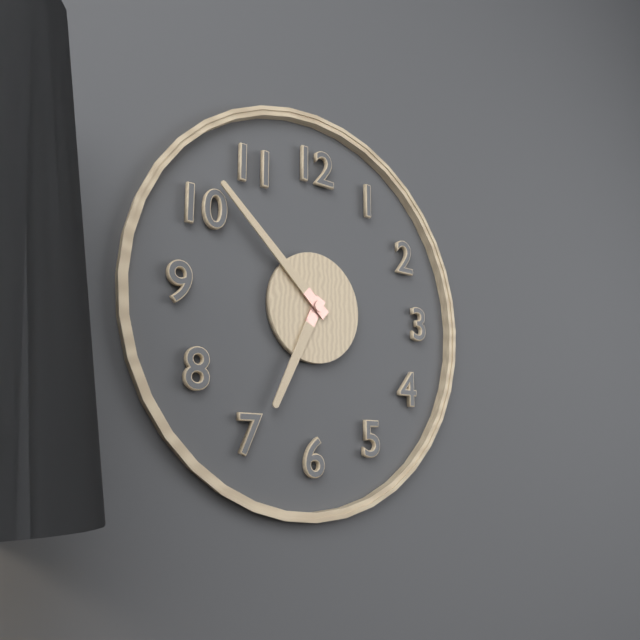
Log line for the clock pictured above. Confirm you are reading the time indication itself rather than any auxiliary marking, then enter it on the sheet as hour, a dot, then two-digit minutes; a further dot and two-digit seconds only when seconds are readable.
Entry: 6.52
